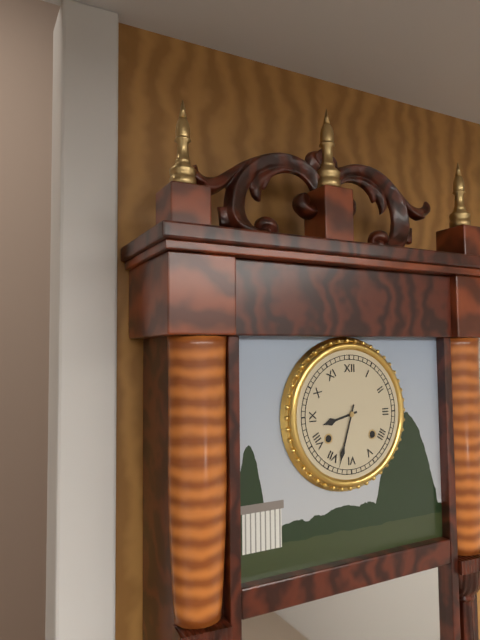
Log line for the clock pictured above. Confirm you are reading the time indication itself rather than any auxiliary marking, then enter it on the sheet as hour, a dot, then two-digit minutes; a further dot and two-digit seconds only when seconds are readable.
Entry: 8.33
